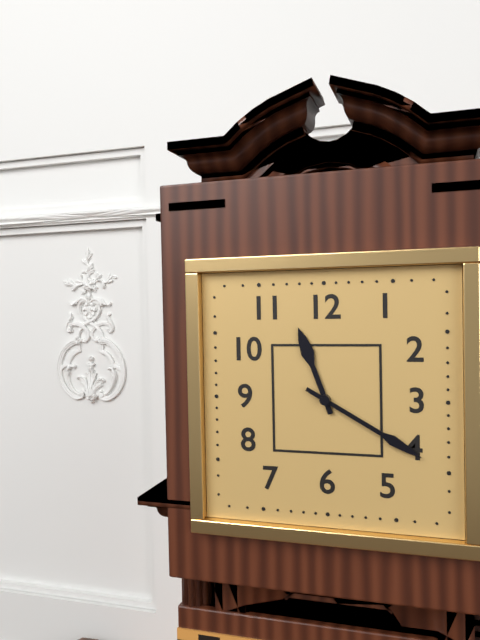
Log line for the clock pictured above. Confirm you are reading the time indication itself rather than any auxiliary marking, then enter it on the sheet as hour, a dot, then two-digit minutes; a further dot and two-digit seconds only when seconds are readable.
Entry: 11.20
